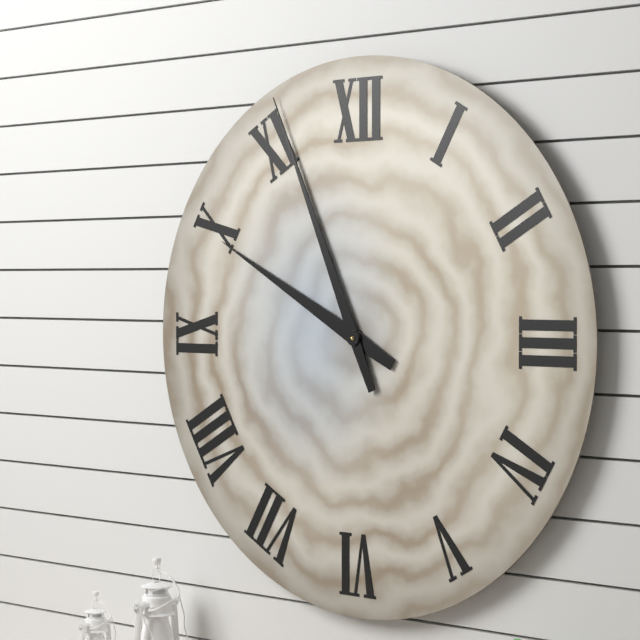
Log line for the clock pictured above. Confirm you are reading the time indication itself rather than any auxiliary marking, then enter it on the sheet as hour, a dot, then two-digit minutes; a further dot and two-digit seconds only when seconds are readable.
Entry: 9.56
